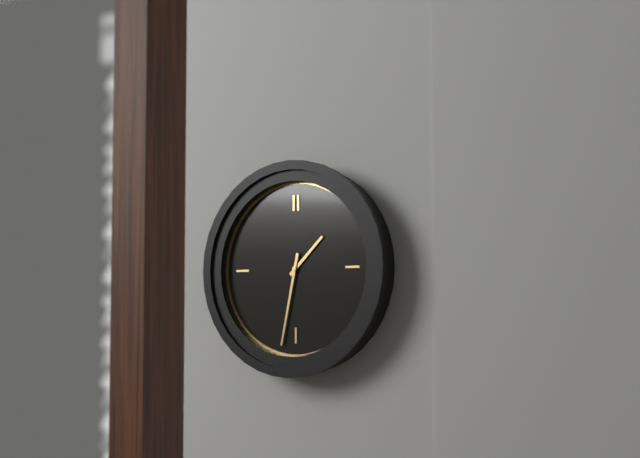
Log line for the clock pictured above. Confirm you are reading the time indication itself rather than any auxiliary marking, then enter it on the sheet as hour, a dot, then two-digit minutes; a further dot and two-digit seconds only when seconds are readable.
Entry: 1.32
